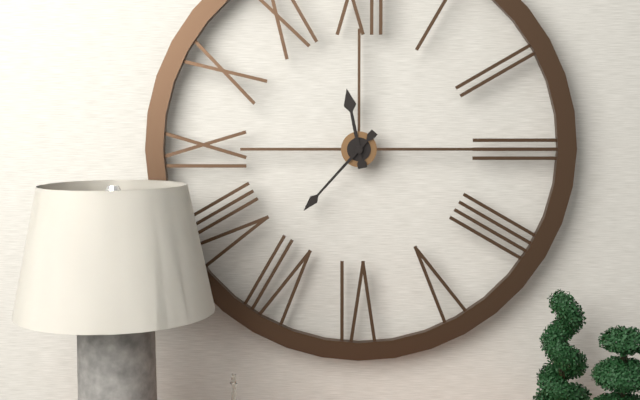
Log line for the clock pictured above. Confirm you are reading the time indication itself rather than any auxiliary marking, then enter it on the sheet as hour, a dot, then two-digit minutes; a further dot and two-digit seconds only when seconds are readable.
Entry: 11.37
